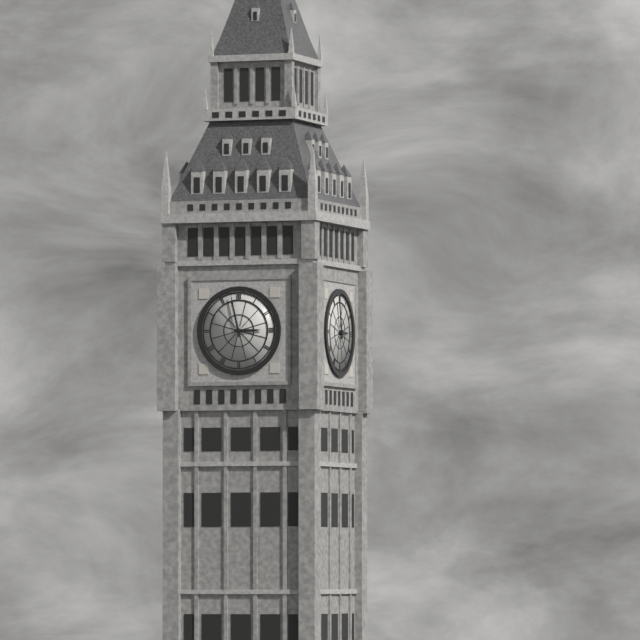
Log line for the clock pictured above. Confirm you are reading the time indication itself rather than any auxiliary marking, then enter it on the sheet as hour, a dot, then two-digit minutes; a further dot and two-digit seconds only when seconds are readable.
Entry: 2.58
